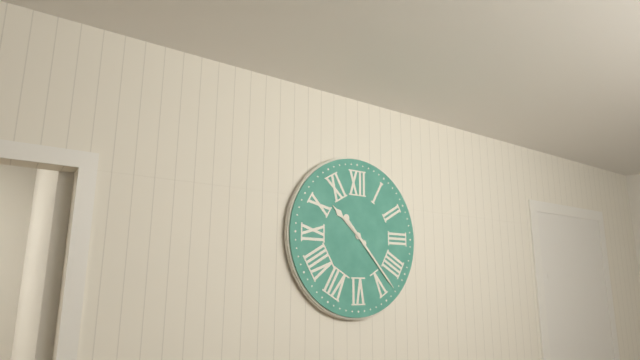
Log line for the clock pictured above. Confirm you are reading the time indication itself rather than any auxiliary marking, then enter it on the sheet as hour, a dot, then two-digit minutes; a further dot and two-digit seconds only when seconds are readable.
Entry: 10.23
